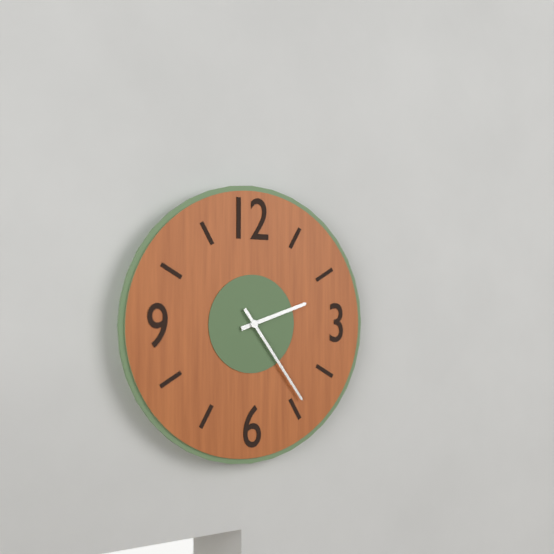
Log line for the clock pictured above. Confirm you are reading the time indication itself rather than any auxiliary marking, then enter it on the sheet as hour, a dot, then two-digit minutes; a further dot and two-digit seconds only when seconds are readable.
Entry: 2.24
